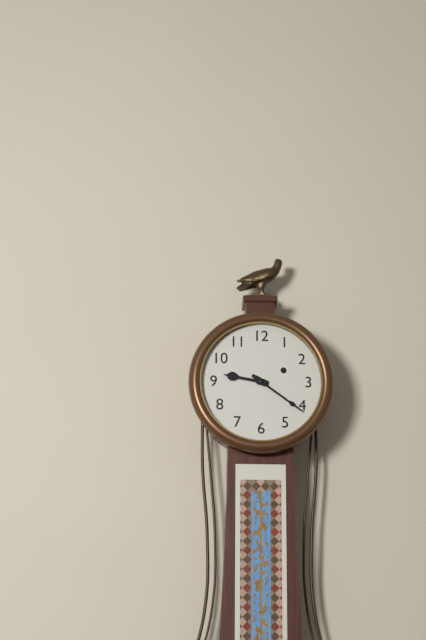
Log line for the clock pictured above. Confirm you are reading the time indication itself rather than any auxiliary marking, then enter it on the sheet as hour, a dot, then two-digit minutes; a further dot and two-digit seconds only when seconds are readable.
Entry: 9.21
